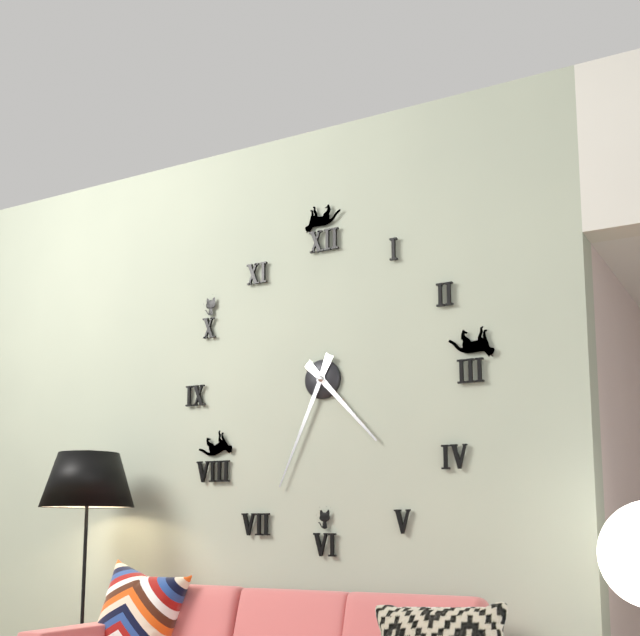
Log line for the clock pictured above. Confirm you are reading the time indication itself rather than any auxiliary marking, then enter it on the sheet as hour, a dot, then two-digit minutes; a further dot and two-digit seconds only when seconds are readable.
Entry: 4.34
